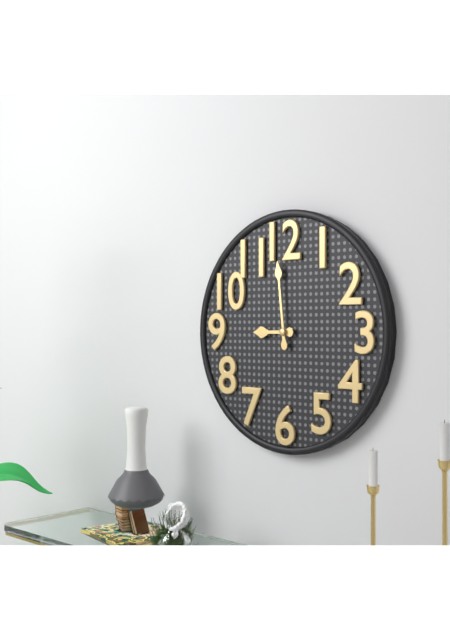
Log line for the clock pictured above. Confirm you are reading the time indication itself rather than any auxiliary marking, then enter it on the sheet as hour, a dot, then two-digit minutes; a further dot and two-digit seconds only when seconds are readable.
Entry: 8.59
